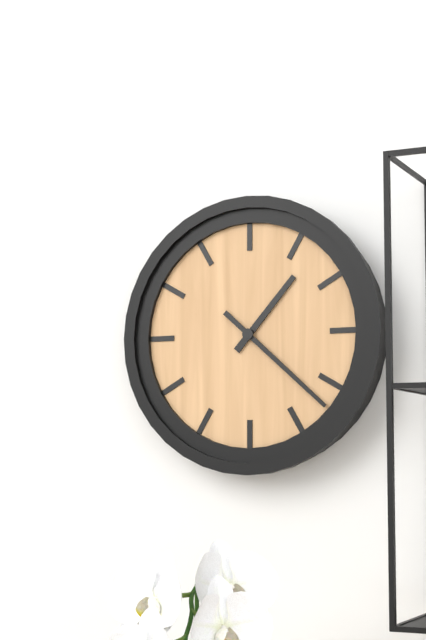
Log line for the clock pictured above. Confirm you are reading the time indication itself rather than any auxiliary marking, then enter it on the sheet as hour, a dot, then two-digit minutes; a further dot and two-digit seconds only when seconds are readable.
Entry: 1.22
